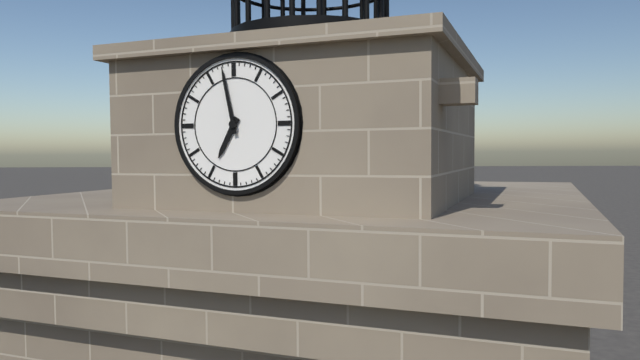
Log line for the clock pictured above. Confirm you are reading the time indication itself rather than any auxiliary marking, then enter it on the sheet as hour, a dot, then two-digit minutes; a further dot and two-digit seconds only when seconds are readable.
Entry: 6.58
